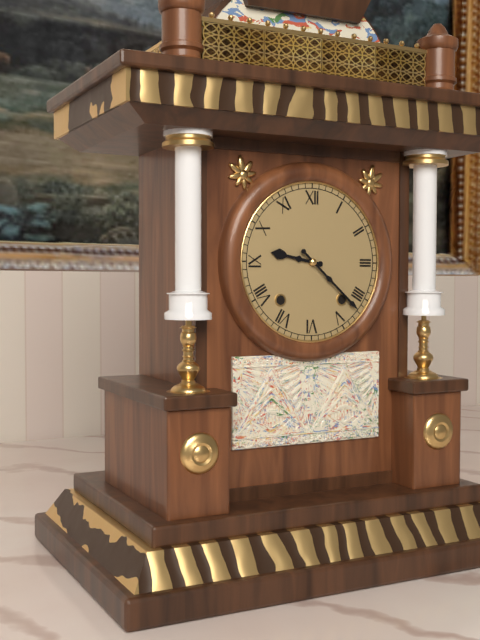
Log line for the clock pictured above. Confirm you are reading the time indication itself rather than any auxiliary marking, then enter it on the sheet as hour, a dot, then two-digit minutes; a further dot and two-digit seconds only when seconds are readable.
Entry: 9.22
